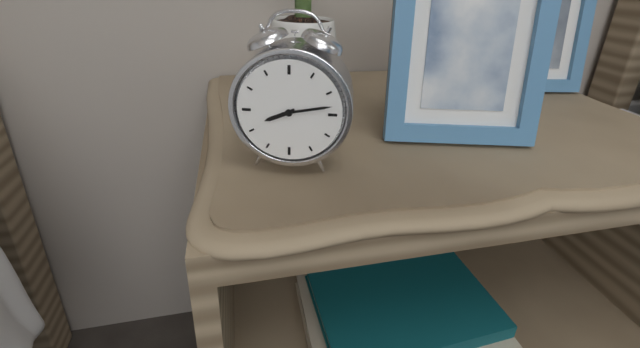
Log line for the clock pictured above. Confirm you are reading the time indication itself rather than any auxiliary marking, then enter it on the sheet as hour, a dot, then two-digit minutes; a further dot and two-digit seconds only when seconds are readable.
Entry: 8.13
